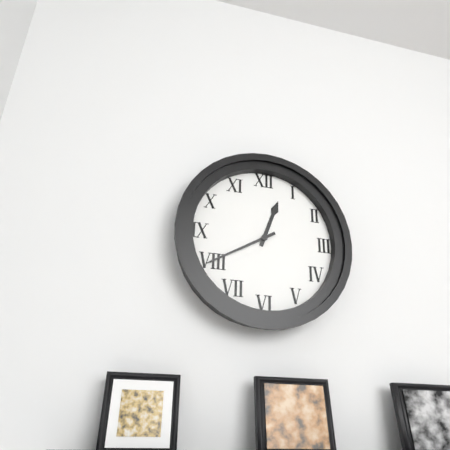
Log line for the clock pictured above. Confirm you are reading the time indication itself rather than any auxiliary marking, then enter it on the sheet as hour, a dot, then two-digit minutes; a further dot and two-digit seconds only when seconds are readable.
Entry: 12.40
